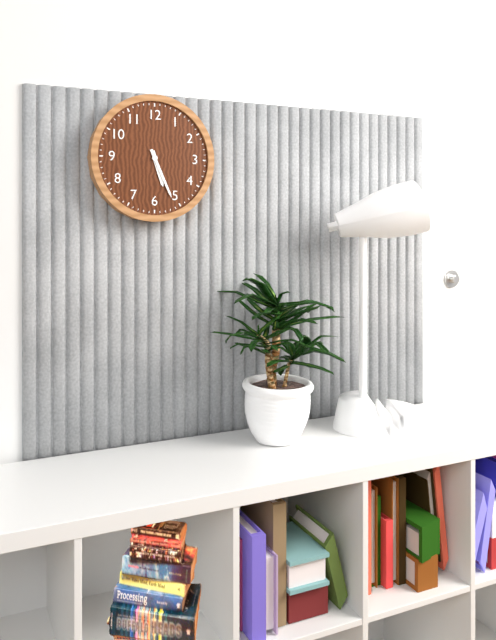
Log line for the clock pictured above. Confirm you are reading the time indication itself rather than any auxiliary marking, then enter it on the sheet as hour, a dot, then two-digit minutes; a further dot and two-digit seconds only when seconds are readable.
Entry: 5.26
